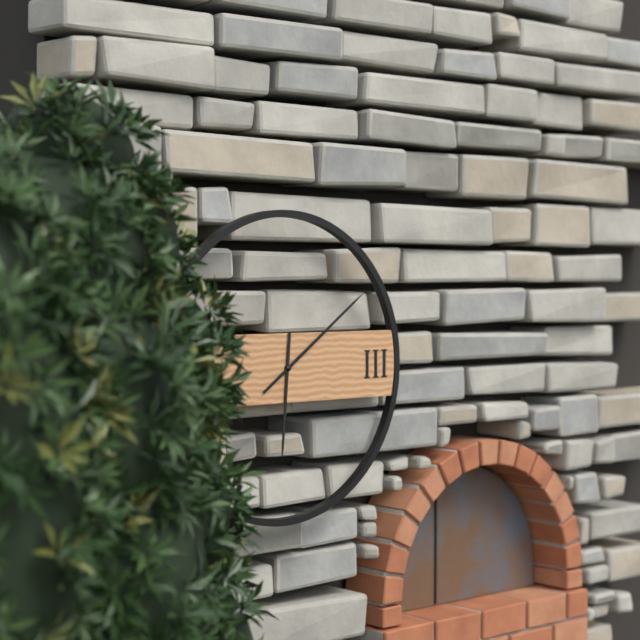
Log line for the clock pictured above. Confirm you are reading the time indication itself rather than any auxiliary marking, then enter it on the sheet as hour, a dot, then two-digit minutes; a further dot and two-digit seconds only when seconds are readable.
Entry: 6.09
